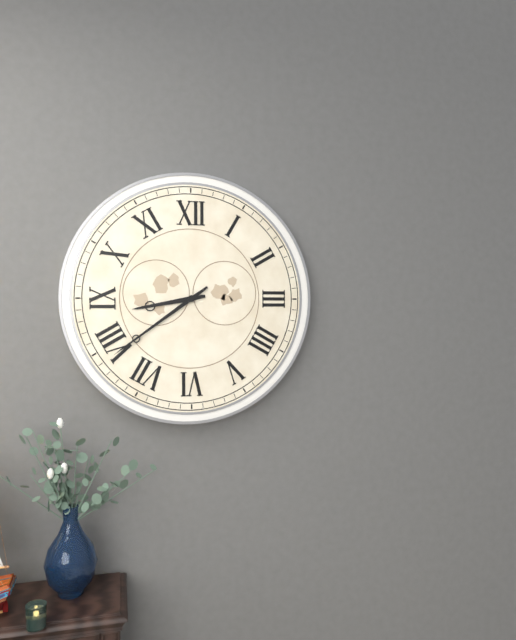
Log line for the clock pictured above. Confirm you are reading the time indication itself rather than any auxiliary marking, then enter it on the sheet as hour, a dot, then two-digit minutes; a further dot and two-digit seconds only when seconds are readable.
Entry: 8.39
